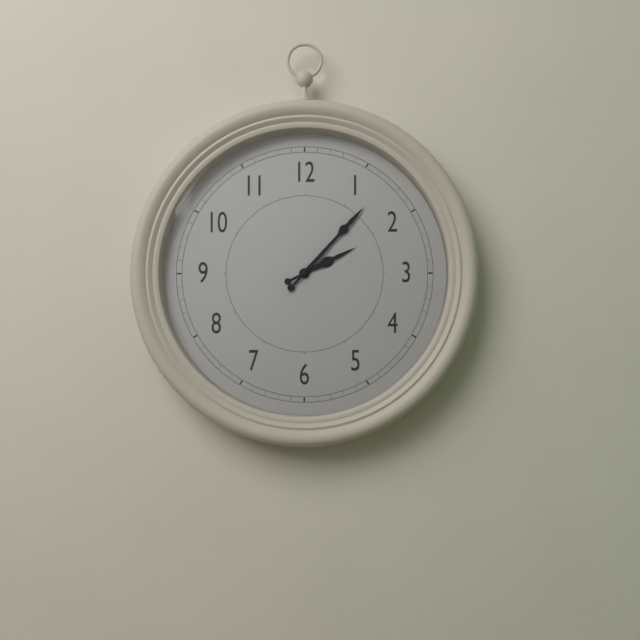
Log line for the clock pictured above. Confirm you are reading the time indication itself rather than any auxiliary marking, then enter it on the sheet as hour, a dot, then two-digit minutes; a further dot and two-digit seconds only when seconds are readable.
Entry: 2.07
